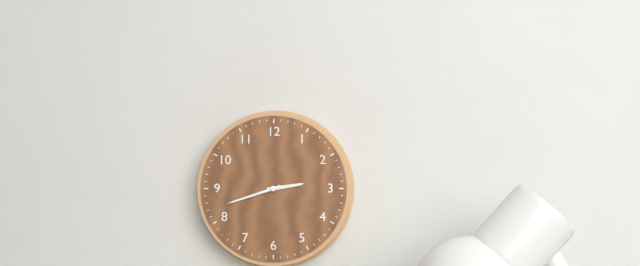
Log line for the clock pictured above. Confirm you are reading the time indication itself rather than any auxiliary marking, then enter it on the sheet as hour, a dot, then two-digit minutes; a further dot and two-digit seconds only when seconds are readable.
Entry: 2.42
